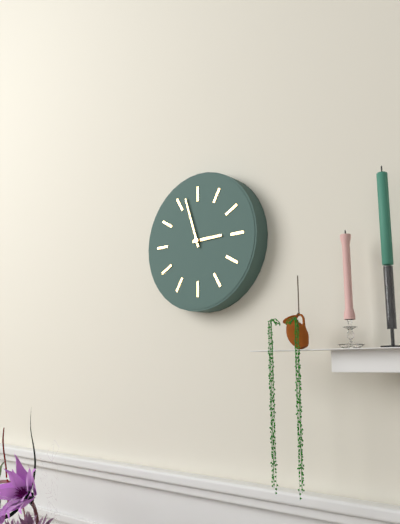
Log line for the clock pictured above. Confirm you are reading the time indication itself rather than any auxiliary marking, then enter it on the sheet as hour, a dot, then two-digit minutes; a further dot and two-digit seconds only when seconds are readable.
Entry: 2.57
